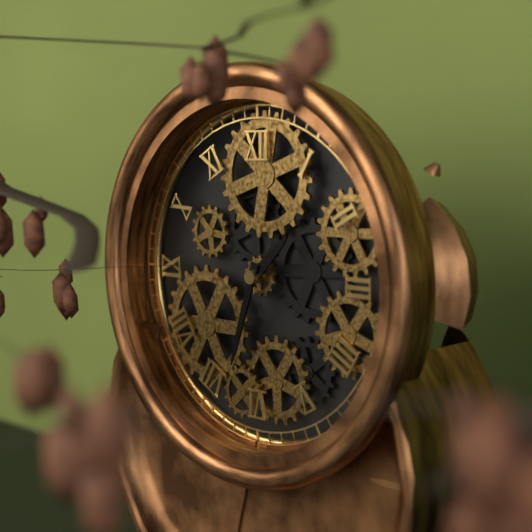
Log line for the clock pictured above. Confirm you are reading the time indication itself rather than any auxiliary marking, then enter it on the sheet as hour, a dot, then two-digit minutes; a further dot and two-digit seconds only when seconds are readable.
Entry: 1.33
